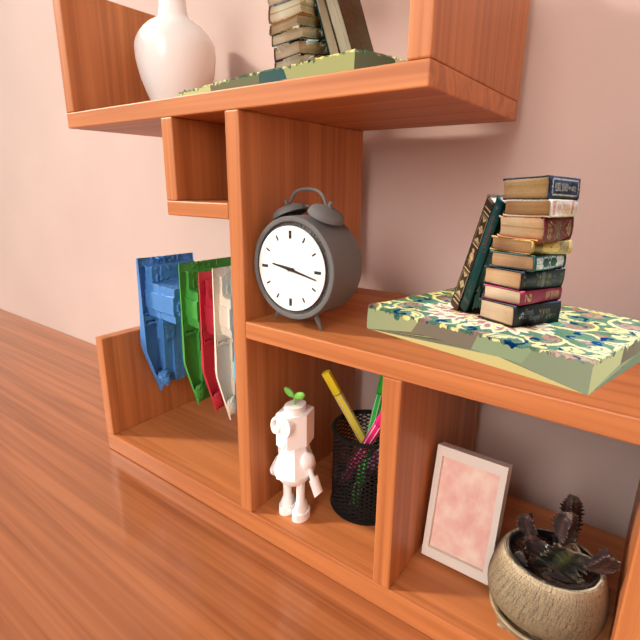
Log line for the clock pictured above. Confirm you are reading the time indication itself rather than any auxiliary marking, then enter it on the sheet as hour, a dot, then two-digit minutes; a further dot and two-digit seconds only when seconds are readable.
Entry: 9.17
